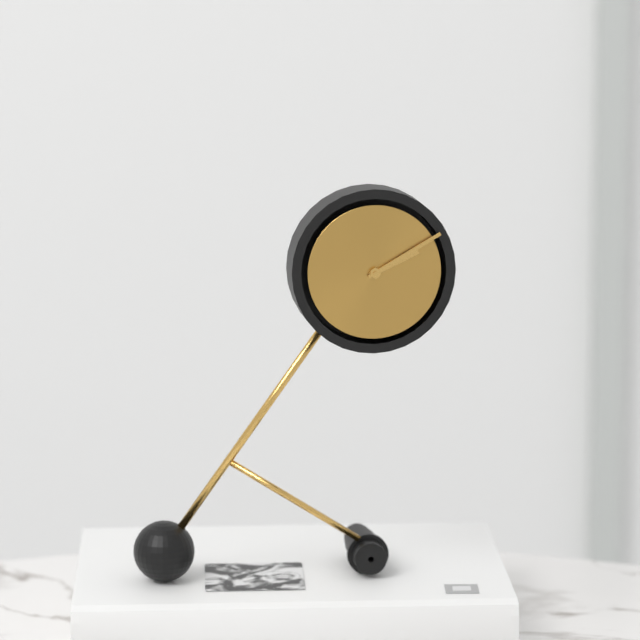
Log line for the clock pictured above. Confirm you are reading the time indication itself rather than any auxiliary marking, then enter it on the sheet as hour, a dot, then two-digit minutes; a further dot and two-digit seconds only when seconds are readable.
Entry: 2.10
